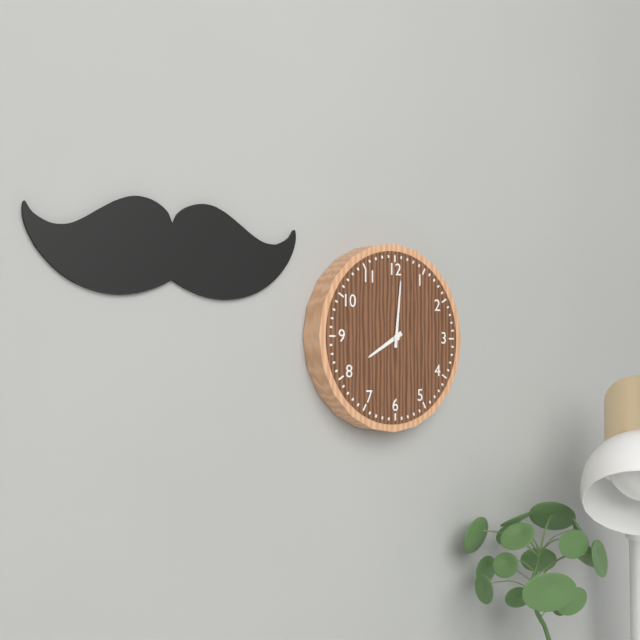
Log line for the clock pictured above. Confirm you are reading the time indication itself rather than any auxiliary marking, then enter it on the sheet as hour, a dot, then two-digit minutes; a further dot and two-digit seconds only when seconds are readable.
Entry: 8.01
